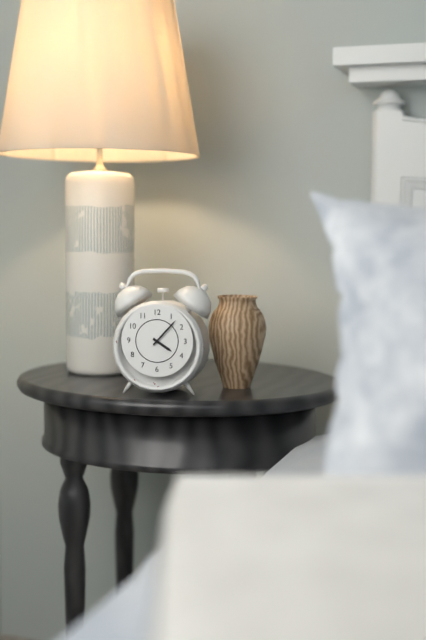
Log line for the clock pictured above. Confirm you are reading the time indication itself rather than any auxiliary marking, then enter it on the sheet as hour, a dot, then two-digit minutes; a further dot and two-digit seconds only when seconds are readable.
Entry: 4.07
